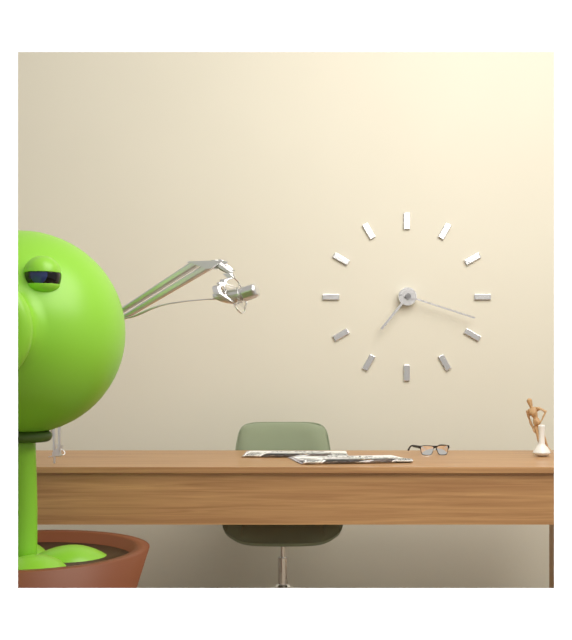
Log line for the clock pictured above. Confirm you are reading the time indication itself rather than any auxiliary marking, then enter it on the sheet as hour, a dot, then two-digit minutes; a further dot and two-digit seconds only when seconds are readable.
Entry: 7.18
